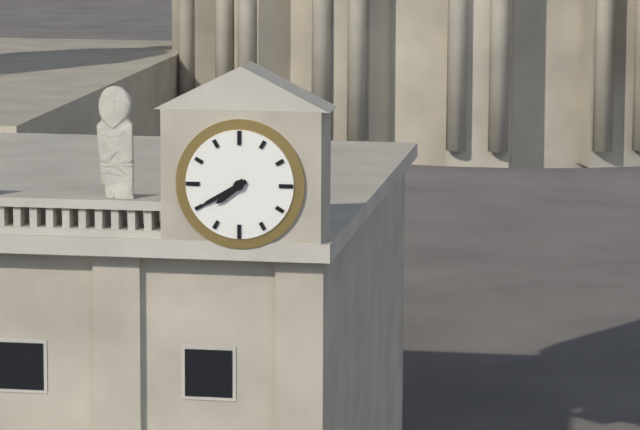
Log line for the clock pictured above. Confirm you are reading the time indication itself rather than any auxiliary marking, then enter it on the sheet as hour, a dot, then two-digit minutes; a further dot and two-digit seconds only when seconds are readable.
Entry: 7.40
